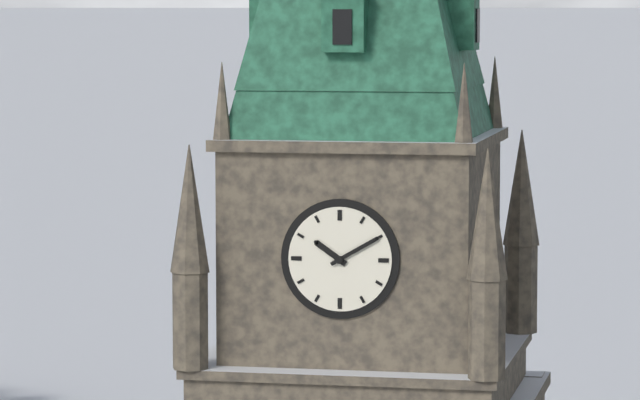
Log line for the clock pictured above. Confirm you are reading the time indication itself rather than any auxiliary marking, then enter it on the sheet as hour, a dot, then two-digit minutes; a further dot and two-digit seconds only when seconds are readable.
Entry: 10.10
